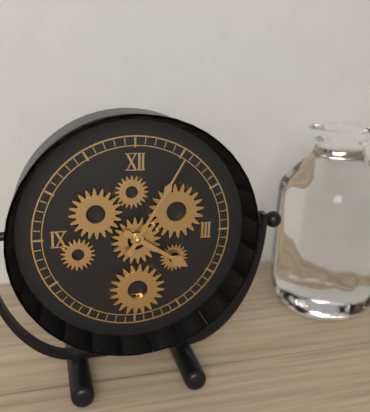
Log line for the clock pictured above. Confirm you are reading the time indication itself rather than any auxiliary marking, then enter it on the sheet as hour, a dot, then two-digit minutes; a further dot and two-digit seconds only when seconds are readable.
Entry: 4.05
